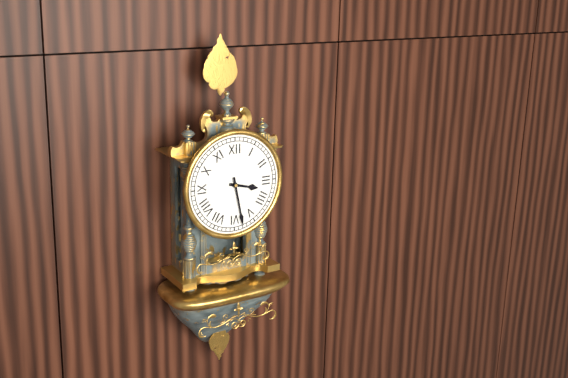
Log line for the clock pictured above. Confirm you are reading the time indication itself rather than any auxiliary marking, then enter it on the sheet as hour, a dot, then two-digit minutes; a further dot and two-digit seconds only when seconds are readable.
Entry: 3.28
